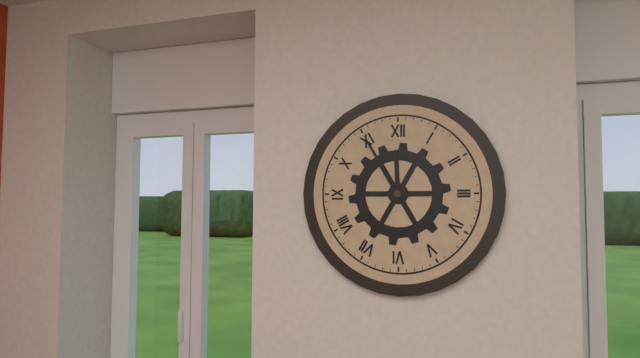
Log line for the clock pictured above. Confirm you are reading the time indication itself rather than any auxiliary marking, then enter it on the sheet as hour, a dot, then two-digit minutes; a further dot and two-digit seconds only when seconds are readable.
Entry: 11.55
